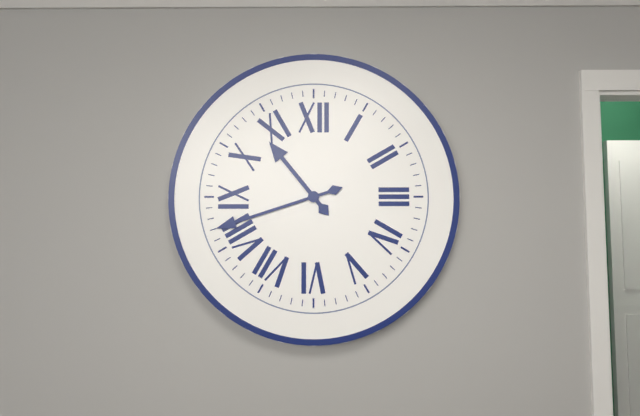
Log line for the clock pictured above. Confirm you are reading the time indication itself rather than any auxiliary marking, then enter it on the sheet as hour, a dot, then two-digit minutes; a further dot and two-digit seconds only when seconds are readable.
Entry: 10.42
